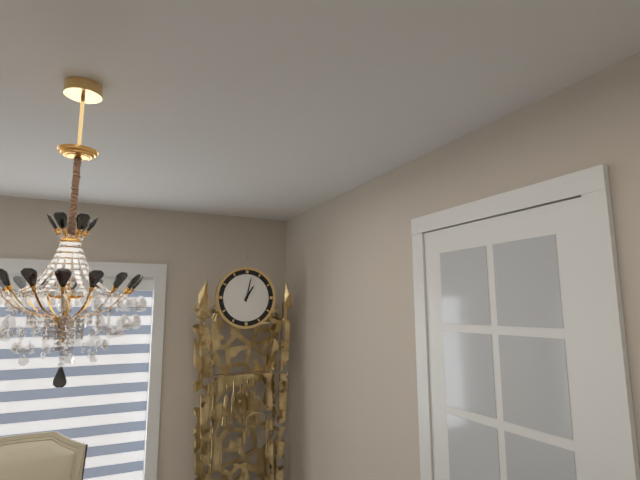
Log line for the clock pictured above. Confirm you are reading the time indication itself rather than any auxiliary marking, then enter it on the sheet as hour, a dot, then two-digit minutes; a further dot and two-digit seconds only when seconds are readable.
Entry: 1.02
